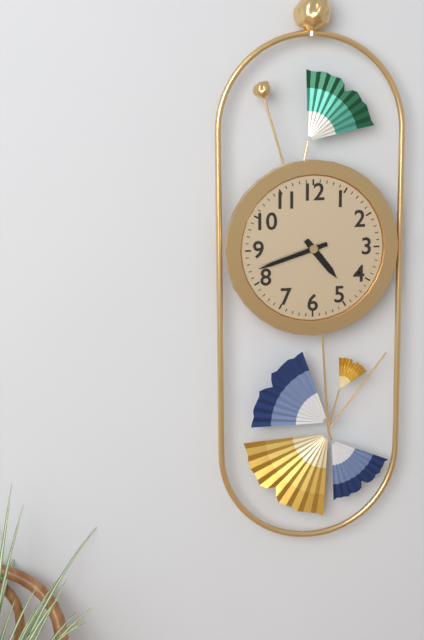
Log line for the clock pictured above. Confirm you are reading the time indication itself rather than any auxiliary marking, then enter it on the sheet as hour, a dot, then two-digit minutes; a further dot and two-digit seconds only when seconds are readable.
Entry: 4.42
